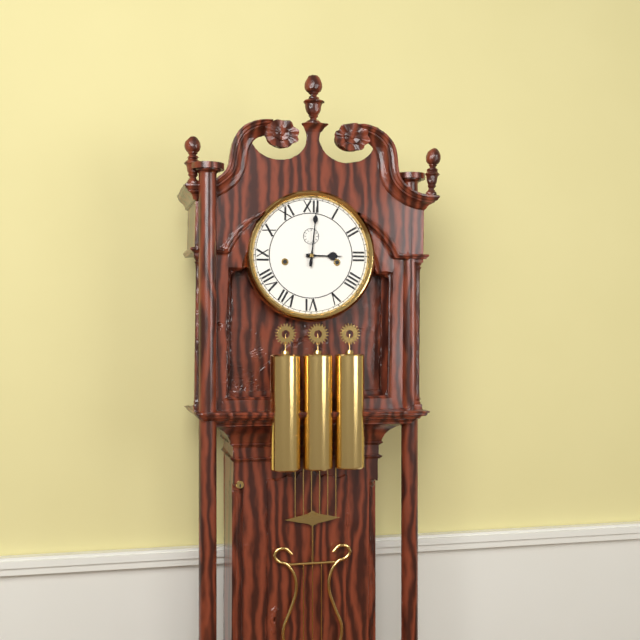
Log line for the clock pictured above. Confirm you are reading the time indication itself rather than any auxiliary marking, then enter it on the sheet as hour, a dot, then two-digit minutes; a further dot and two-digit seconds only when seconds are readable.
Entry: 3.01
